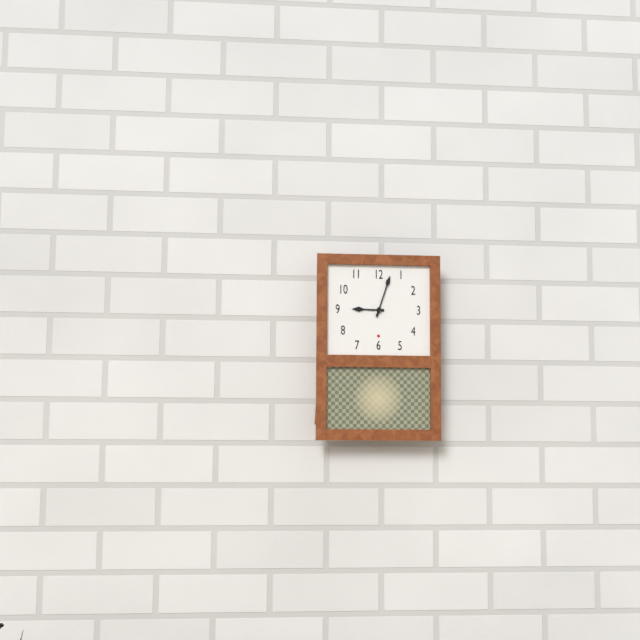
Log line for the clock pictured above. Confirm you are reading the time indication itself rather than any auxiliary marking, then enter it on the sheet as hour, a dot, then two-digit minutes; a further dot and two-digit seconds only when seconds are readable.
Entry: 9.03
